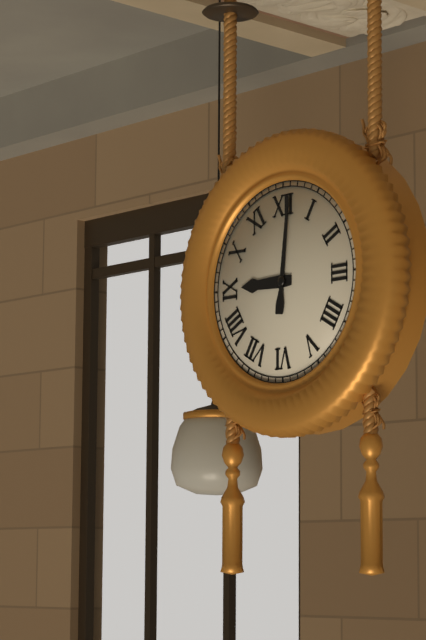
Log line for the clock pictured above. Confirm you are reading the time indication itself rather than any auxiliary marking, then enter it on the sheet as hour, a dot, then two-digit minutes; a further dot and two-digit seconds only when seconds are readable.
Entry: 9.01
